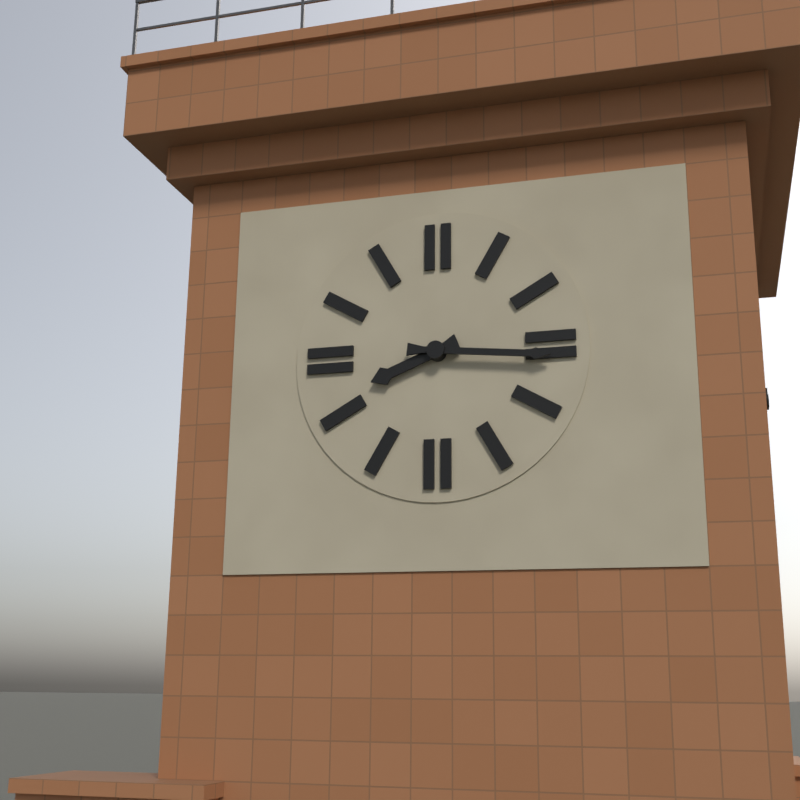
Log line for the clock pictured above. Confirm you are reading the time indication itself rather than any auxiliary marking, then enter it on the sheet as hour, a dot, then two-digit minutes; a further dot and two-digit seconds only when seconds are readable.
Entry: 8.16
